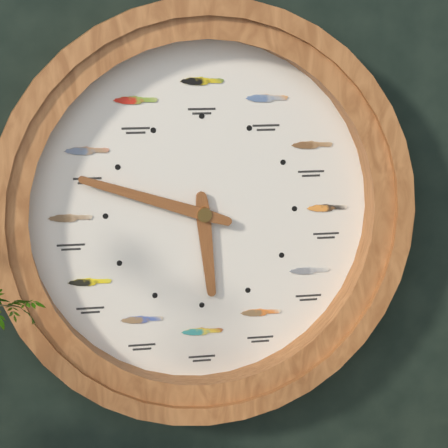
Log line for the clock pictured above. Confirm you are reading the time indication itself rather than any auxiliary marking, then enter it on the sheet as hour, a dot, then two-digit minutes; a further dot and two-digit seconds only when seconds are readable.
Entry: 5.48
